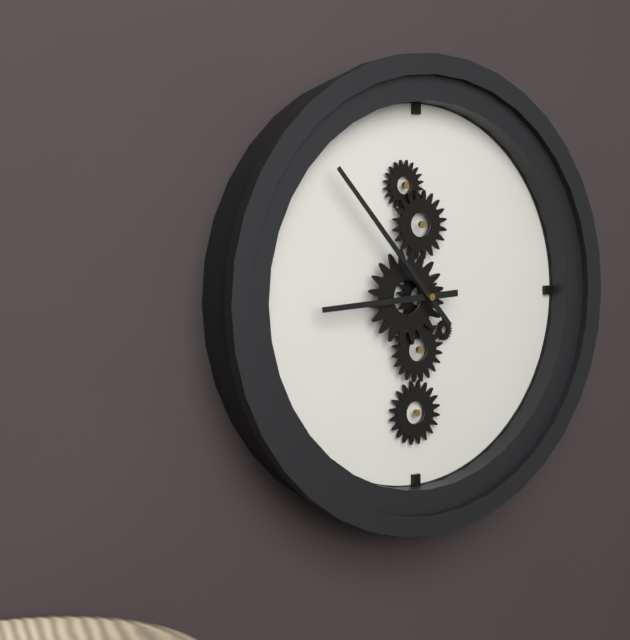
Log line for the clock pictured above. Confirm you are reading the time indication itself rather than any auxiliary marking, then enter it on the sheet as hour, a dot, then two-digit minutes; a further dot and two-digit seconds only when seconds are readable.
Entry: 8.53
